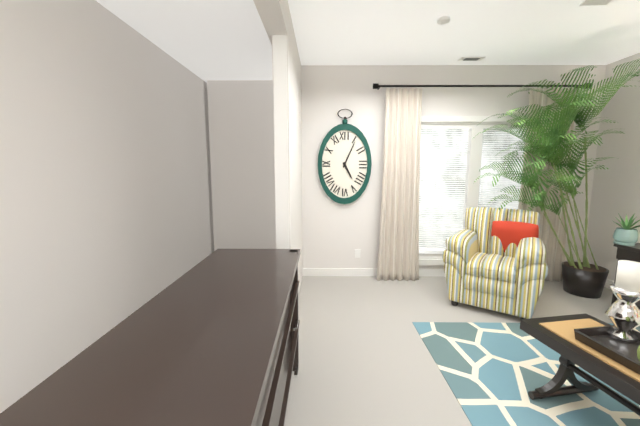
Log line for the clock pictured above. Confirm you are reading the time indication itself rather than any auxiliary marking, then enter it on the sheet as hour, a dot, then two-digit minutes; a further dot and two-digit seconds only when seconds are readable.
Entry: 5.04
